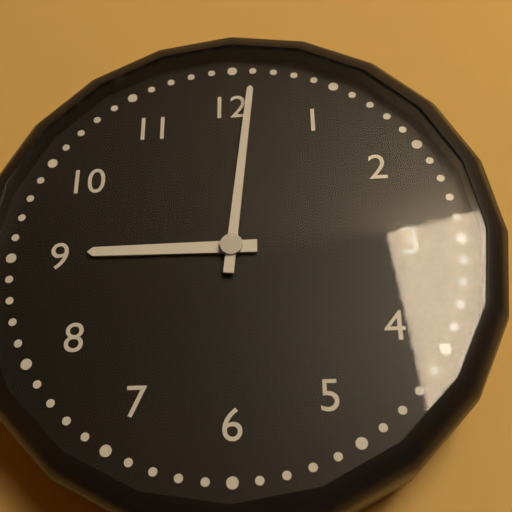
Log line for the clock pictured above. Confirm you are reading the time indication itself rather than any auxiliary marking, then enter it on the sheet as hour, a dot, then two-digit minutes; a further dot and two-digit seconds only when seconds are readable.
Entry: 9.01
